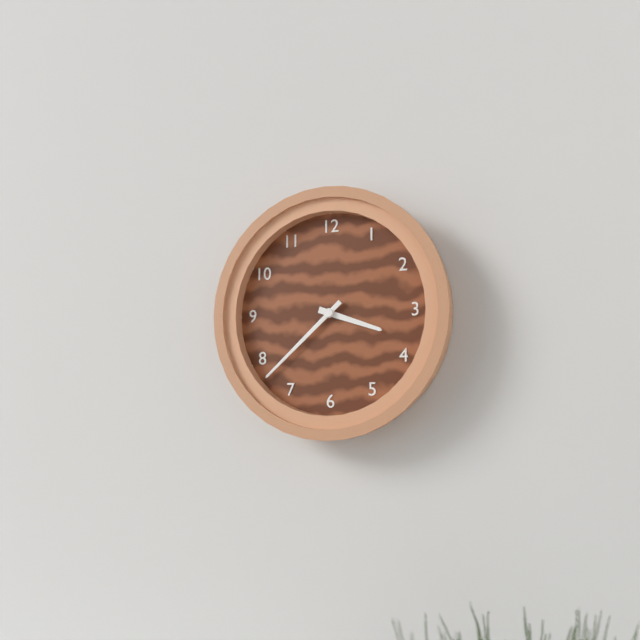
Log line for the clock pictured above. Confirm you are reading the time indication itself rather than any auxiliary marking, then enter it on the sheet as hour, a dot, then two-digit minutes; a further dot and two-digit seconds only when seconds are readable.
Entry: 3.38
